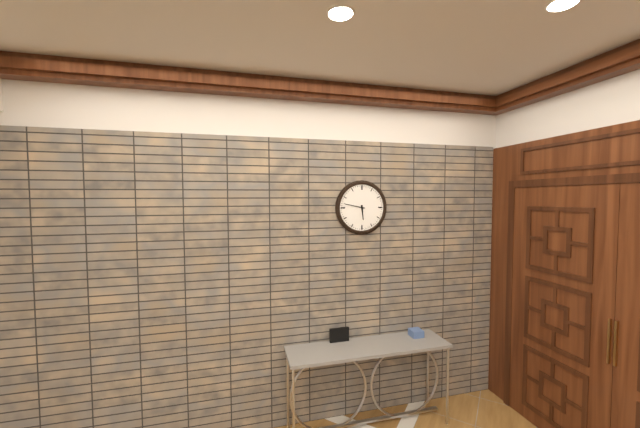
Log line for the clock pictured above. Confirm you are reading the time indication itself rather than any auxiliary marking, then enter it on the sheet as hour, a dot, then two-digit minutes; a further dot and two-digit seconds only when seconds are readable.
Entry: 5.47
